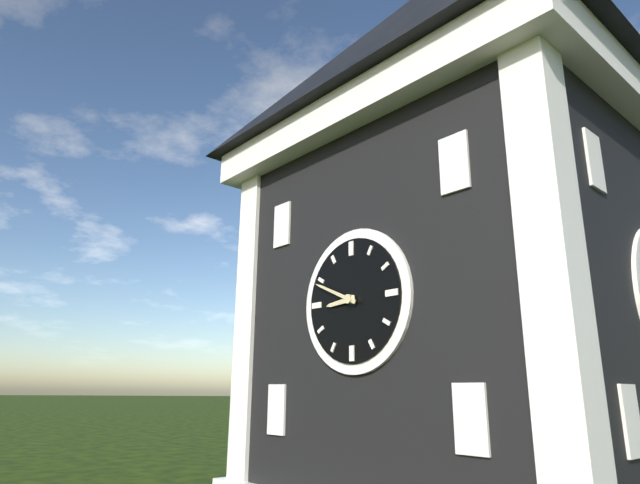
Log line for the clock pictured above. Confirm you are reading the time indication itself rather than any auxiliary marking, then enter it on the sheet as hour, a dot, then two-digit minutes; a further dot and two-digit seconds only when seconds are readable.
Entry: 8.49
